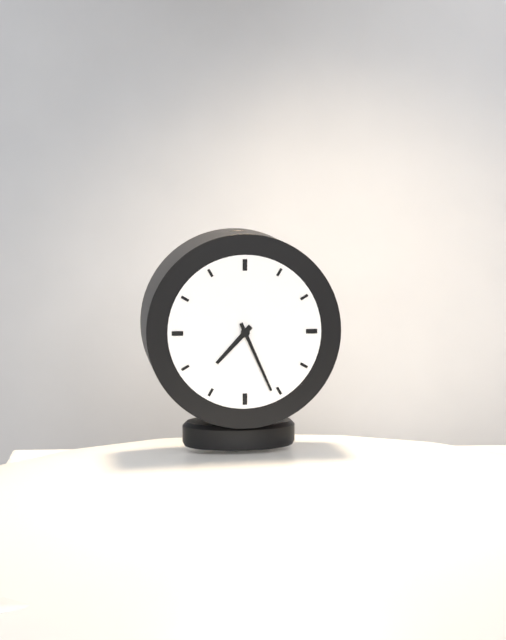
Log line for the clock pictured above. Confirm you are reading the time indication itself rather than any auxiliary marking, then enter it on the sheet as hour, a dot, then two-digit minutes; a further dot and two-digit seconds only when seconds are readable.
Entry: 7.26
